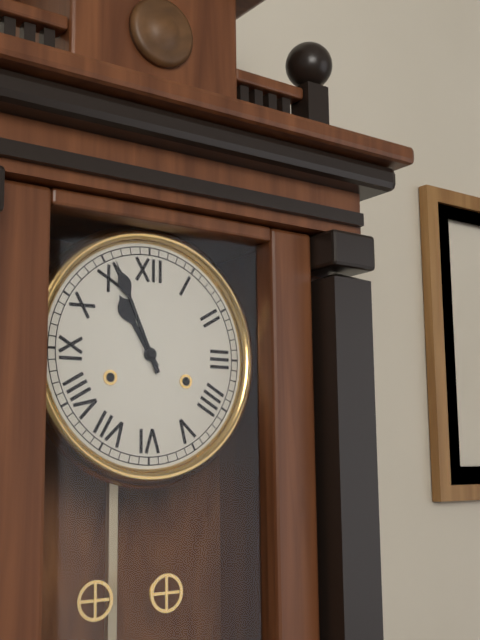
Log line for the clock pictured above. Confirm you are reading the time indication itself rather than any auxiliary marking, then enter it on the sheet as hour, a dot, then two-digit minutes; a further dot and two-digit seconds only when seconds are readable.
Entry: 10.56
